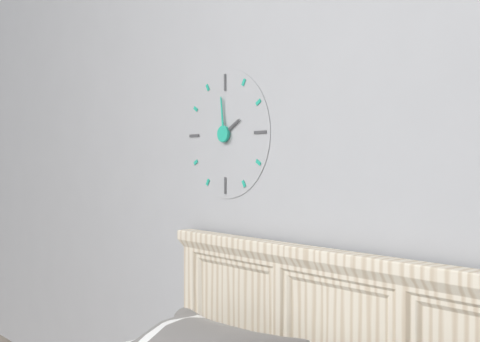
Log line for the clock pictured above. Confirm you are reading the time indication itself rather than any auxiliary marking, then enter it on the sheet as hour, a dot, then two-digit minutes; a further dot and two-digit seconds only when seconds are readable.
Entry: 1.59
